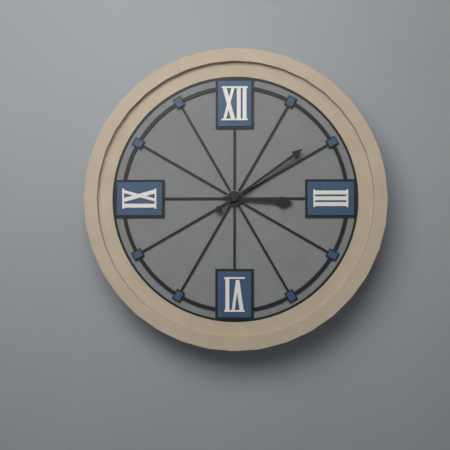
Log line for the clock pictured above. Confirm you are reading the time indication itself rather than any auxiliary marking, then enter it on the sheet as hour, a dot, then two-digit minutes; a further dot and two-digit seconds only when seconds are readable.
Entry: 3.09
